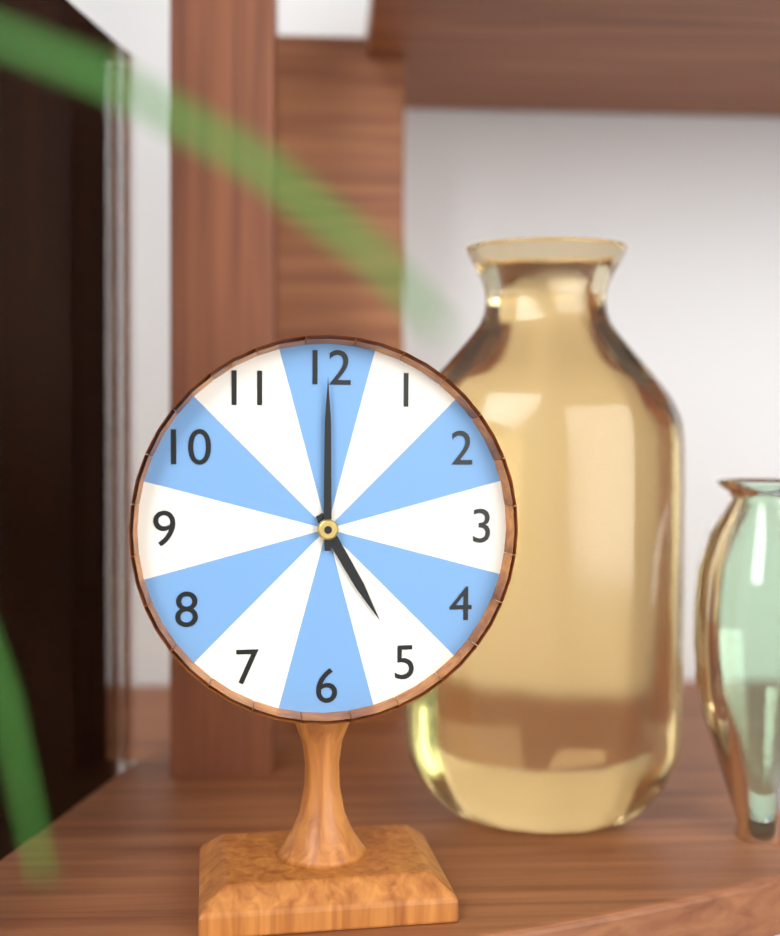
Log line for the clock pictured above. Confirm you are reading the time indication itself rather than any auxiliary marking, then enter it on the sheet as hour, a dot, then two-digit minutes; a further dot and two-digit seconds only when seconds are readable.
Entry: 5.00
